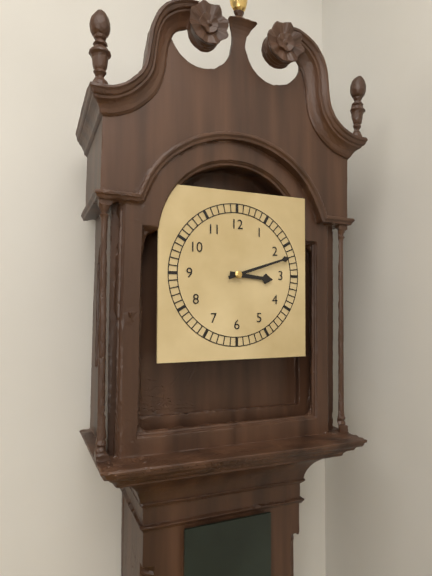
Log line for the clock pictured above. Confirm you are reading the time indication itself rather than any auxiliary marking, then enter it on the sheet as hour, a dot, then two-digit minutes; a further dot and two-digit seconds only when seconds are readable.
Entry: 3.12
